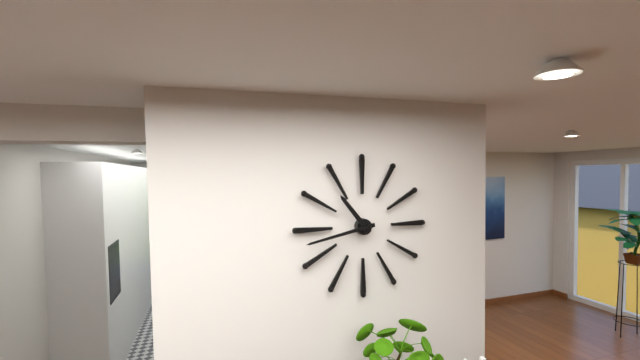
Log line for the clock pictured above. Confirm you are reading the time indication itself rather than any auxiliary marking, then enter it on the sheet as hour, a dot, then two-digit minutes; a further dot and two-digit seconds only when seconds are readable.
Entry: 10.43
